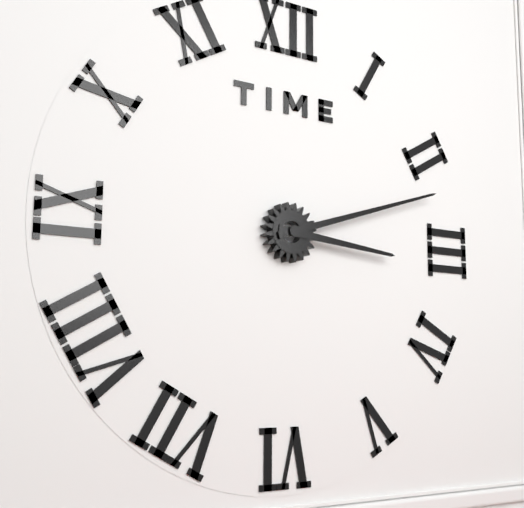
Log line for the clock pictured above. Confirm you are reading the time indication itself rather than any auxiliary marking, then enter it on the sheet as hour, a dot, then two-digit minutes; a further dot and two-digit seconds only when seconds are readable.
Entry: 3.12
